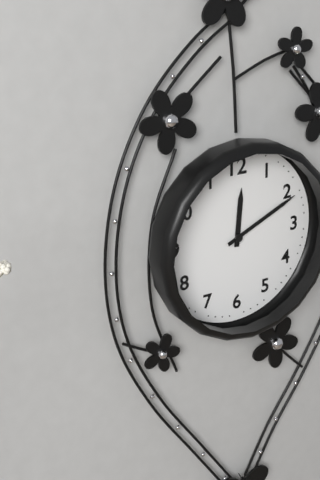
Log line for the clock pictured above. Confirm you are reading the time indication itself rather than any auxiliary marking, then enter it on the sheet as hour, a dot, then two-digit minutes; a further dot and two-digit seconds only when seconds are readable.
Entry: 12.11
